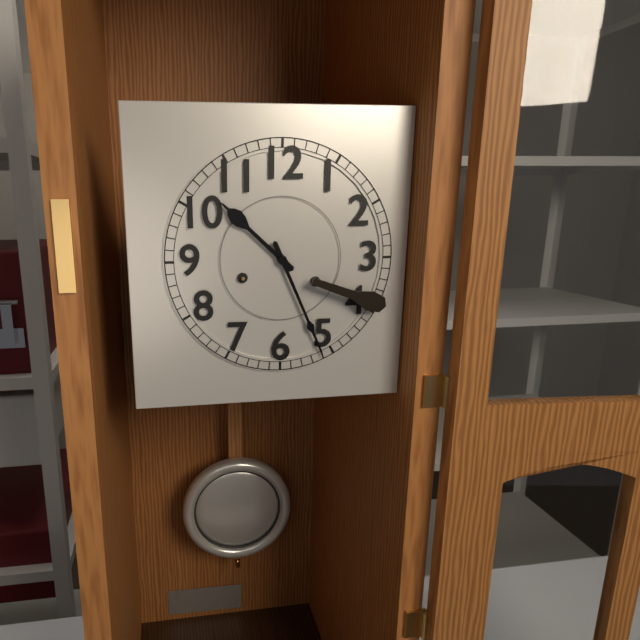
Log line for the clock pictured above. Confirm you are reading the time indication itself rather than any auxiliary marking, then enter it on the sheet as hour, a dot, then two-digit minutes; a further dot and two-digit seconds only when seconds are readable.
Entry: 10.26
